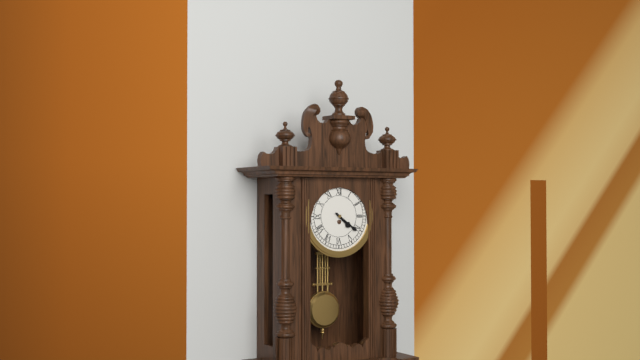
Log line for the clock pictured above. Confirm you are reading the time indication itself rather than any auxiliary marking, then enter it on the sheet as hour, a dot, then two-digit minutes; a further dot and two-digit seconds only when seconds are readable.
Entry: 4.21
